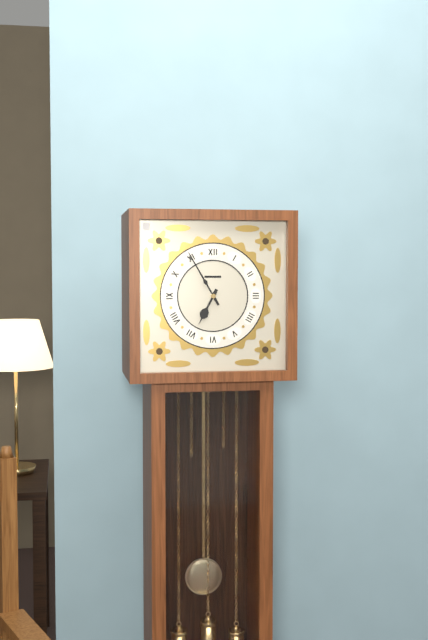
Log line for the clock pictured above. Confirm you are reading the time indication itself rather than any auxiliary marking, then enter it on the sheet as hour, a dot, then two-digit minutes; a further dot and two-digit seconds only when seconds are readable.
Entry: 6.55
